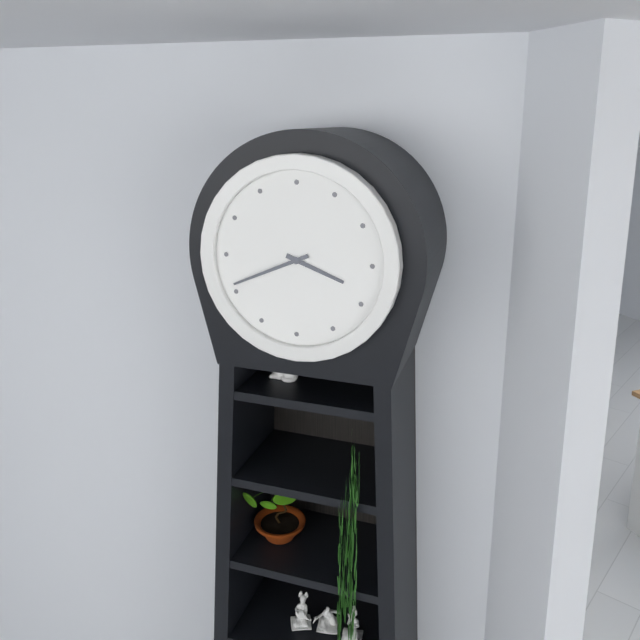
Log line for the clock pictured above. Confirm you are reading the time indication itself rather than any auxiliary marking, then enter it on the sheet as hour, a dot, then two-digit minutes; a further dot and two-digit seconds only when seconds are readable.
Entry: 3.41
